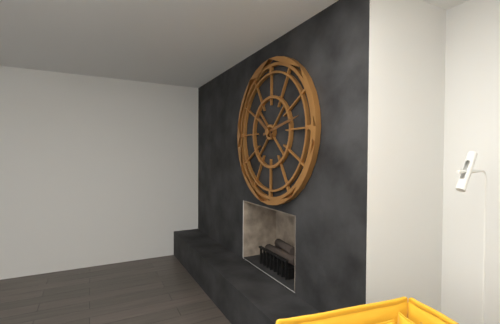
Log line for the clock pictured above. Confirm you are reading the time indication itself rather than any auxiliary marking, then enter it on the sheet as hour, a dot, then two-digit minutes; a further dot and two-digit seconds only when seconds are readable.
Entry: 10.13
